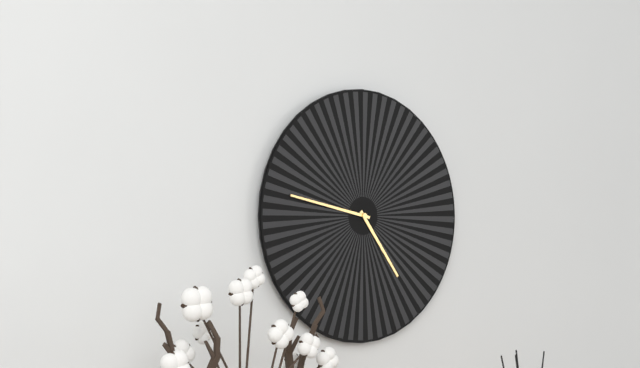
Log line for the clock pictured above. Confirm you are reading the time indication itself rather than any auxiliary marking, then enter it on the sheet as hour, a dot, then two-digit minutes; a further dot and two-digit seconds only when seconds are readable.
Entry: 4.47
